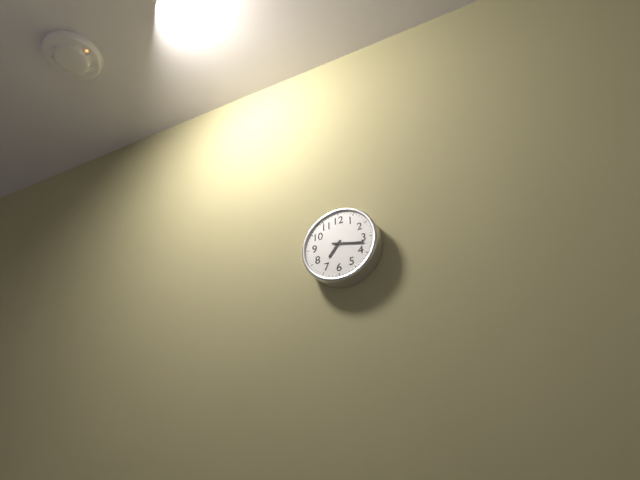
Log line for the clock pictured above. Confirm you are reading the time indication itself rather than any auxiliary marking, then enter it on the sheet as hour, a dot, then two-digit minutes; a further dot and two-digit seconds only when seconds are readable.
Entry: 7.17
